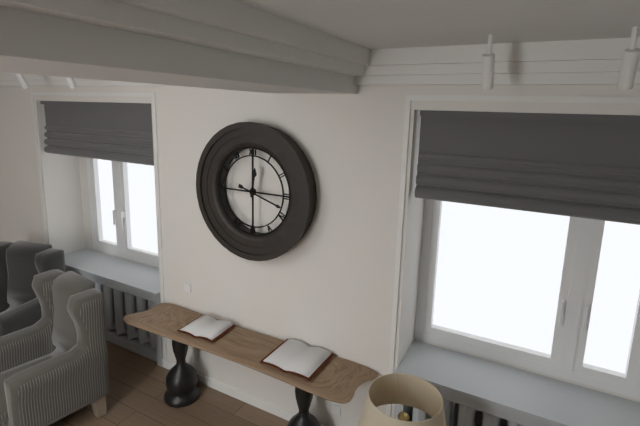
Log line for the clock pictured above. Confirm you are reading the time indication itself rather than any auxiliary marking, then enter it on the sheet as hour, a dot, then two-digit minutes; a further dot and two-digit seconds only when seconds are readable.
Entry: 12.18
